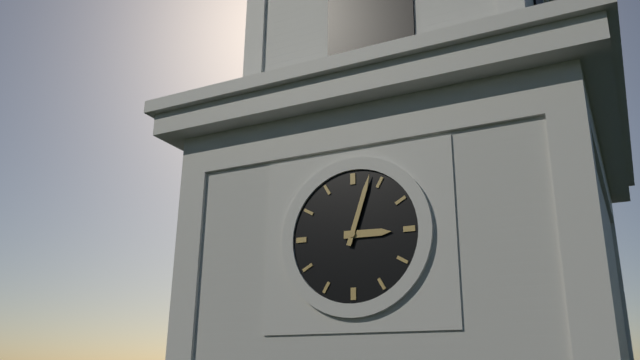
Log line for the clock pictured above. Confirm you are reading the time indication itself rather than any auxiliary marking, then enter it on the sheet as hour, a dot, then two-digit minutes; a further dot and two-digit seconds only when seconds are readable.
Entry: 3.03
